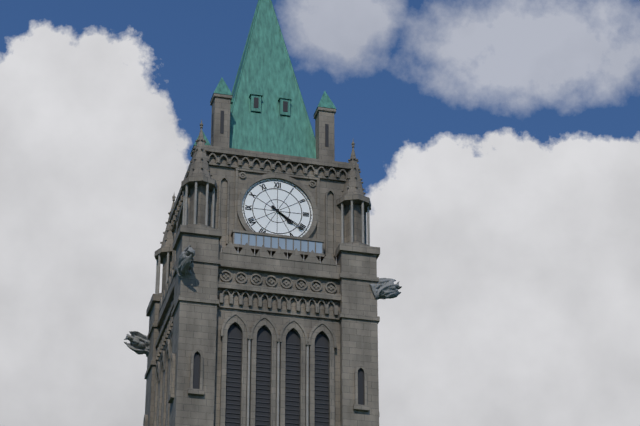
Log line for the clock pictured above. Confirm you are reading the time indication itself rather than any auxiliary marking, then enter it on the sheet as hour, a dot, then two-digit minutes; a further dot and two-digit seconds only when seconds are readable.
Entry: 4.21
